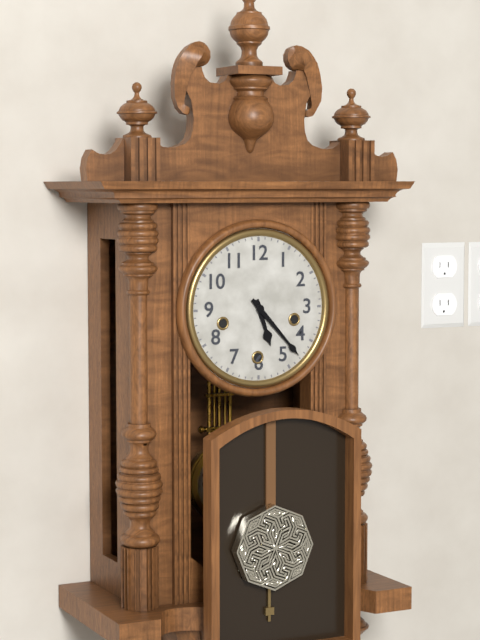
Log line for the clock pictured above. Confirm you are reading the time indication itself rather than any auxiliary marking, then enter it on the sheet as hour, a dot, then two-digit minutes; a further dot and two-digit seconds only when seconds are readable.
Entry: 5.23
